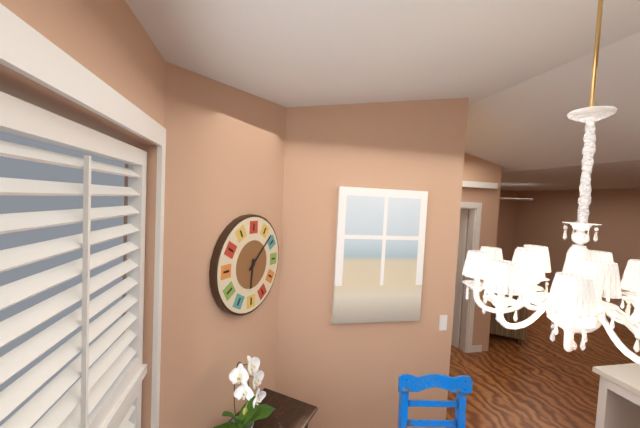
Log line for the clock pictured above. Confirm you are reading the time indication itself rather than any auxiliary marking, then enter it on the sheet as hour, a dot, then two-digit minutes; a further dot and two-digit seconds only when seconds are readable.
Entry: 6.08
